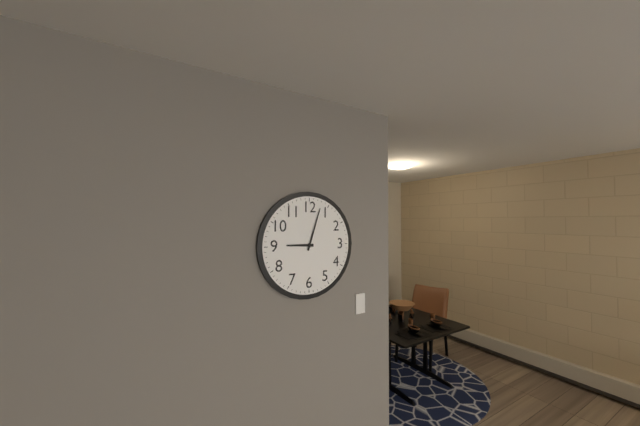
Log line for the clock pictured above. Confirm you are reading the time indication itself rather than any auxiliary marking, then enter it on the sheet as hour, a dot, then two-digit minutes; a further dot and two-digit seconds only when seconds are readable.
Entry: 9.03
